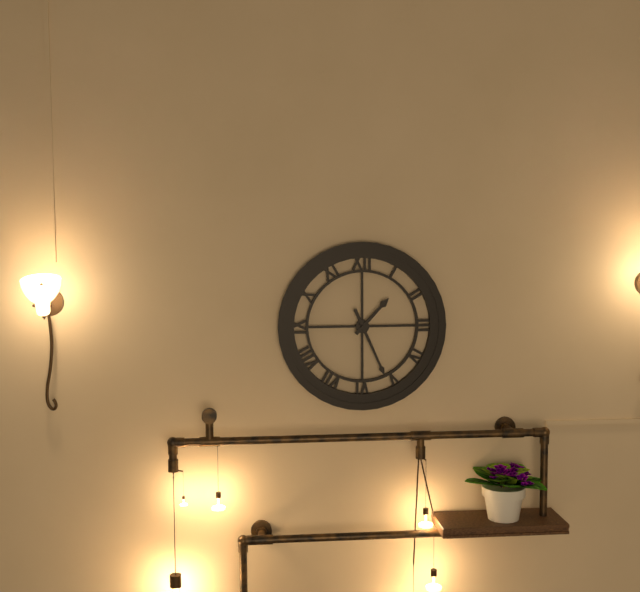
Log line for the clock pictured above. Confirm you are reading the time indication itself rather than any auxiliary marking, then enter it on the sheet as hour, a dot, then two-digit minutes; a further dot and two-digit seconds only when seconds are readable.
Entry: 1.26
